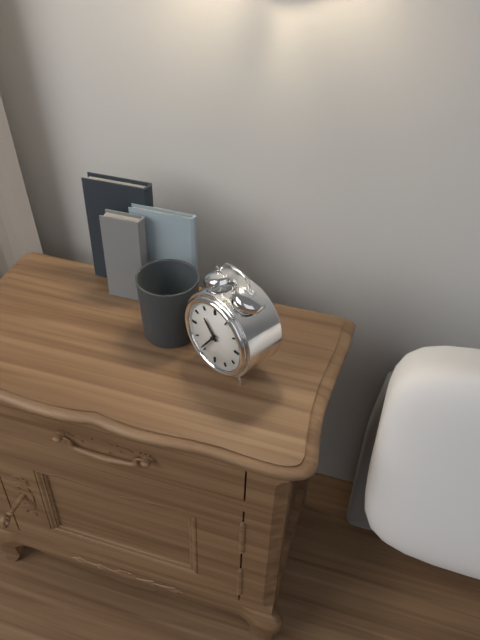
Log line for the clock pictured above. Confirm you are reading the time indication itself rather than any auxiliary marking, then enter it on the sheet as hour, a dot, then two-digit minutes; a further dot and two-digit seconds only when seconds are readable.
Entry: 10.36
